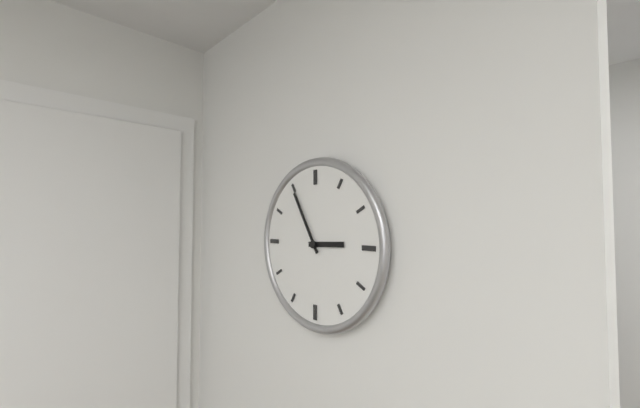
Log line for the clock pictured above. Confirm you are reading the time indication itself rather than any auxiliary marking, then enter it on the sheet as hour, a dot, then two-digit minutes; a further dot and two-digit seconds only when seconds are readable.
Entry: 2.55
